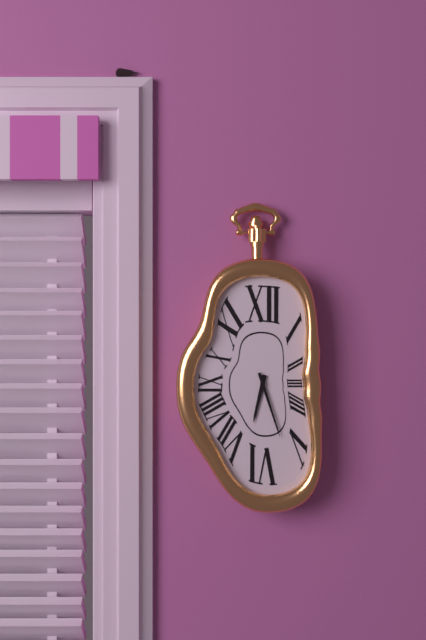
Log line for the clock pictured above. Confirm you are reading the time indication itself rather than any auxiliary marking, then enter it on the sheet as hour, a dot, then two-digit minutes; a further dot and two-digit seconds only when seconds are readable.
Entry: 6.27
